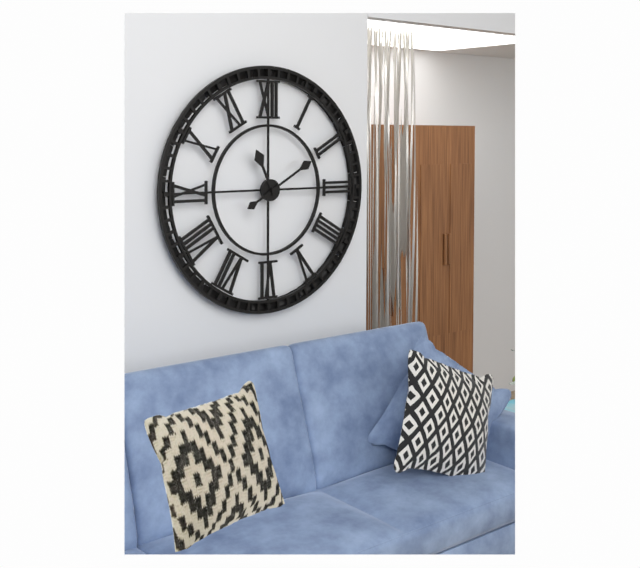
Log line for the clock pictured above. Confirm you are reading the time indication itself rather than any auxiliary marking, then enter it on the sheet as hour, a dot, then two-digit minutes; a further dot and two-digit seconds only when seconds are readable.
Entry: 11.10
